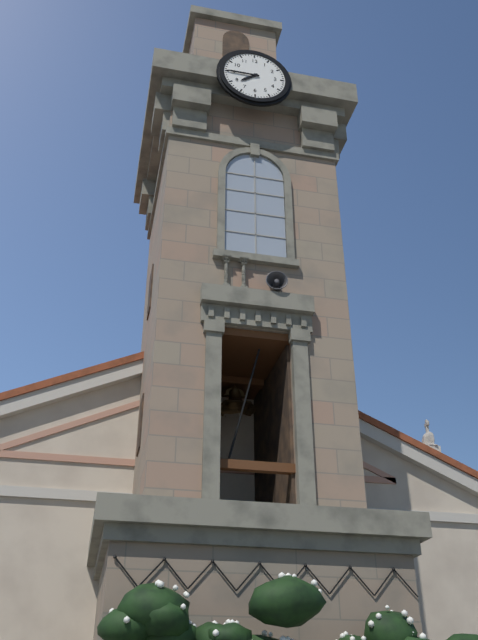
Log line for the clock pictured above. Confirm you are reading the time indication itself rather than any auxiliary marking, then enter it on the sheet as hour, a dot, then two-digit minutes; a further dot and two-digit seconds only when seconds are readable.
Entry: 7.45
